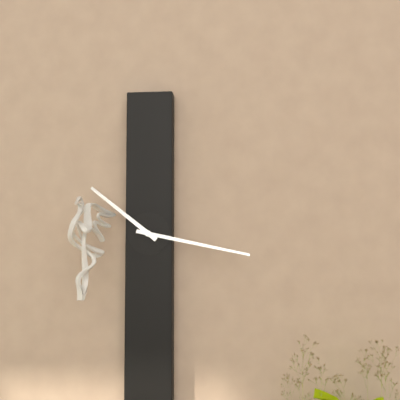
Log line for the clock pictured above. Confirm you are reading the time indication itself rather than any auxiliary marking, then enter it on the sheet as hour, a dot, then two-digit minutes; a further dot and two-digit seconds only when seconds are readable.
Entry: 10.17
